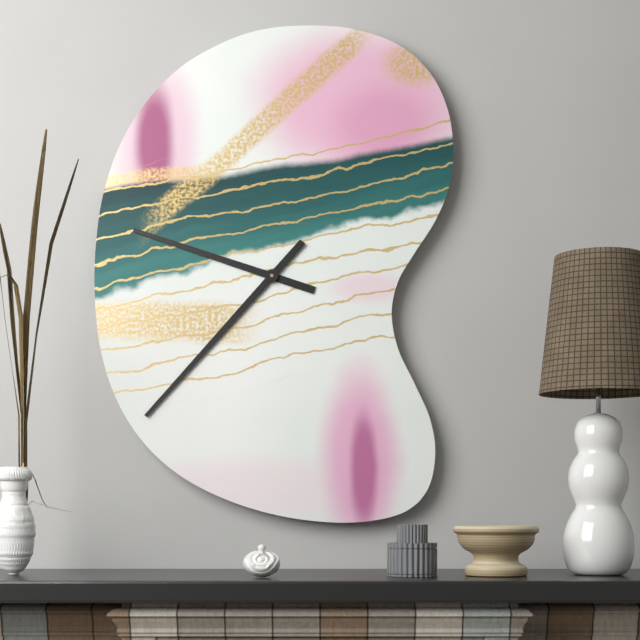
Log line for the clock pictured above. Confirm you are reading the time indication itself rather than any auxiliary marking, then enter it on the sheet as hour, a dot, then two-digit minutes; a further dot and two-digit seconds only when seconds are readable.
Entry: 9.37
